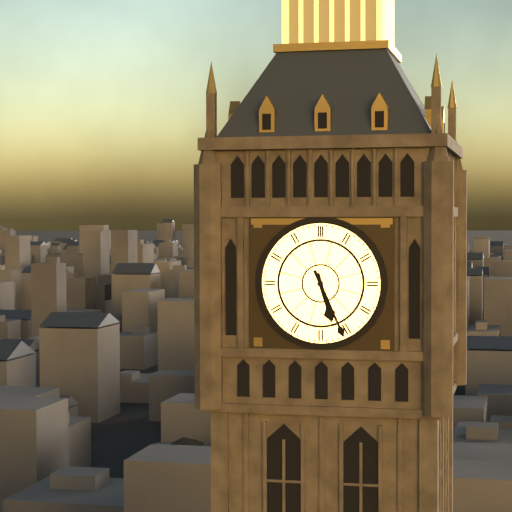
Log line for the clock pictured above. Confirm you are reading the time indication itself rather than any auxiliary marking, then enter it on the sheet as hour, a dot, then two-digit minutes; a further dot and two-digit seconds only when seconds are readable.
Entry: 5.26
